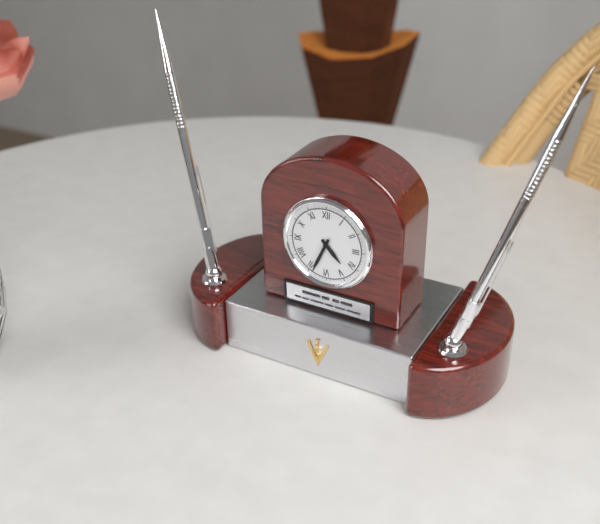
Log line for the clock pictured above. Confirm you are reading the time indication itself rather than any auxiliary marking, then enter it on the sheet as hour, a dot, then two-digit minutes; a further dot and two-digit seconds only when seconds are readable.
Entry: 4.34
